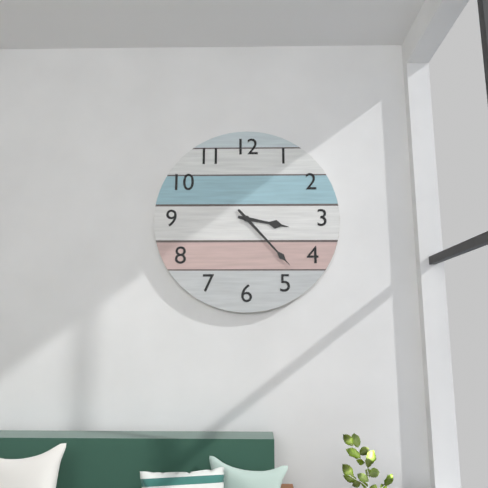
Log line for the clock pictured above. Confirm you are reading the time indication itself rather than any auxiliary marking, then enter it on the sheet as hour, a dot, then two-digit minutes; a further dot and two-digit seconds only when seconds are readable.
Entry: 3.23
